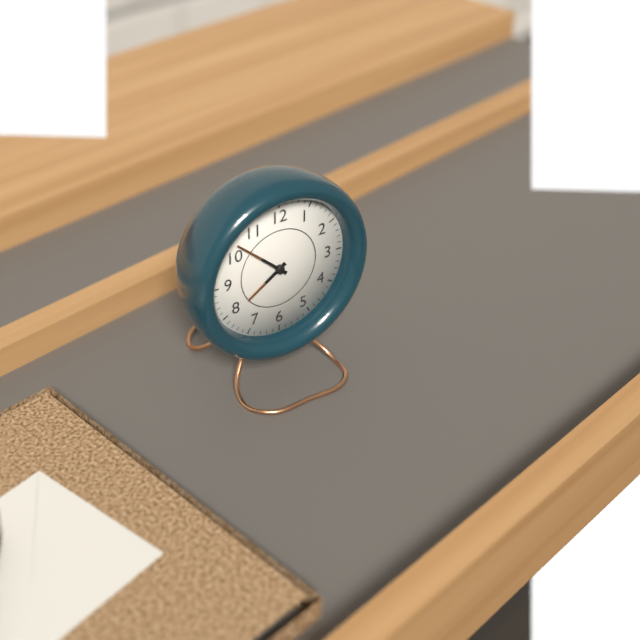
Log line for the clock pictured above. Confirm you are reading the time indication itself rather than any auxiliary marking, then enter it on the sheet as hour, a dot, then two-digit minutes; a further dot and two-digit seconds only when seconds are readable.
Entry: 7.52
